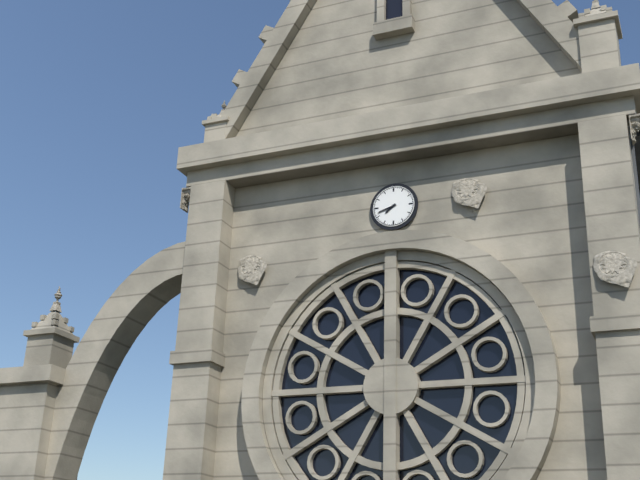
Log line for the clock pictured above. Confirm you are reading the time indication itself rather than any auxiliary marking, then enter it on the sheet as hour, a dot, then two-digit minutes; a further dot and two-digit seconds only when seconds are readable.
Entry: 7.42
